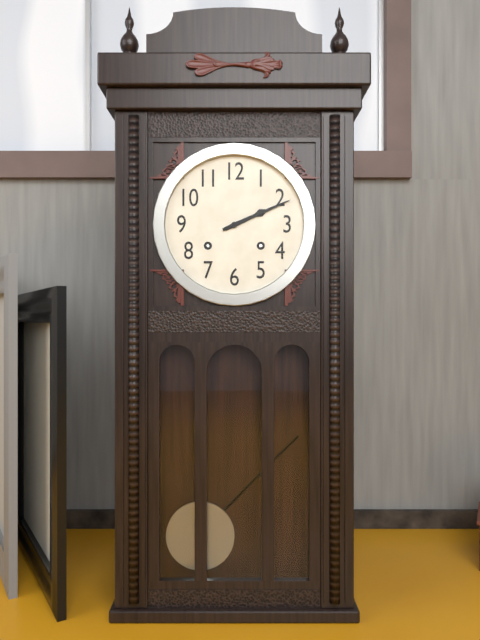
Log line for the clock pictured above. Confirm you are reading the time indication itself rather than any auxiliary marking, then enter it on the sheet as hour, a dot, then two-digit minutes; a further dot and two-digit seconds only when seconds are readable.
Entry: 2.11
